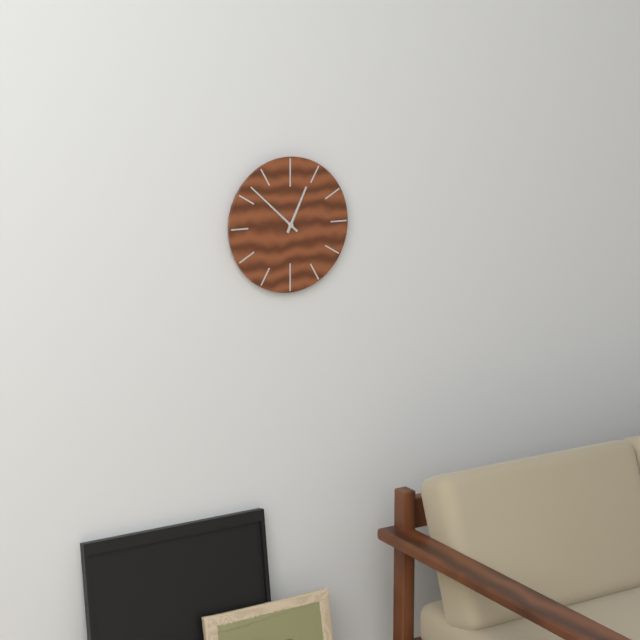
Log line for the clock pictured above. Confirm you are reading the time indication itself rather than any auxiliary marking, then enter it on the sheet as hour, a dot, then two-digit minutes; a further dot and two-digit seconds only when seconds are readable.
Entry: 12.52
